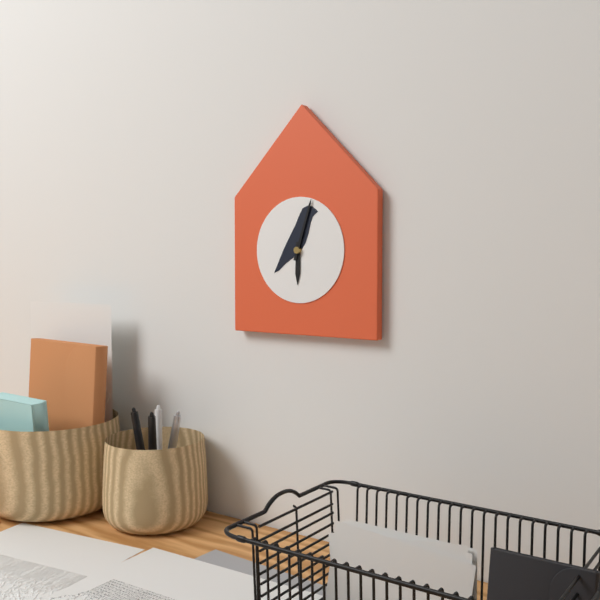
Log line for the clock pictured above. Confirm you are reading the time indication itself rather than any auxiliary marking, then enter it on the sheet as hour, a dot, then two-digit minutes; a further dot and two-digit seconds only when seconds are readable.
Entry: 6.03
